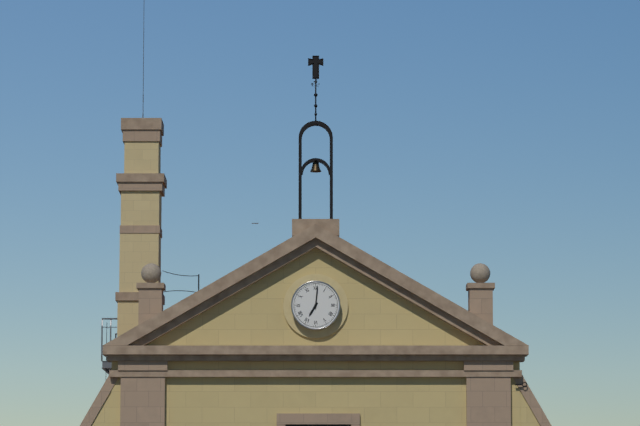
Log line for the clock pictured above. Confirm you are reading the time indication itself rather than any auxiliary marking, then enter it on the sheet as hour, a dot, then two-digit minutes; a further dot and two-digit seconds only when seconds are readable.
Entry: 7.01
